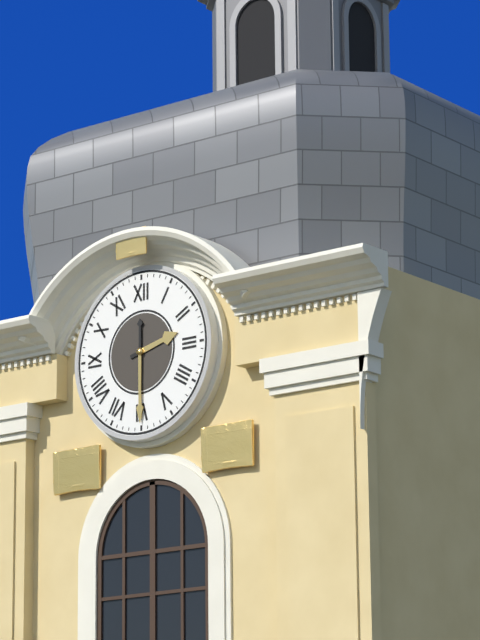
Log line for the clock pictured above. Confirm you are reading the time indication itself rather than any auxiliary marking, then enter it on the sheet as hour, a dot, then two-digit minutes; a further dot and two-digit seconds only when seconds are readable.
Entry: 2.30
